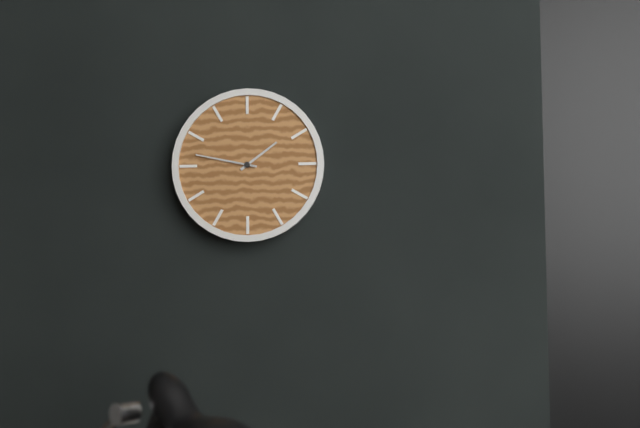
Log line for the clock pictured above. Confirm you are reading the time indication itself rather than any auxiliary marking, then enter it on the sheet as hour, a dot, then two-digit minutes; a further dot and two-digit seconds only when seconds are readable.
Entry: 1.47
